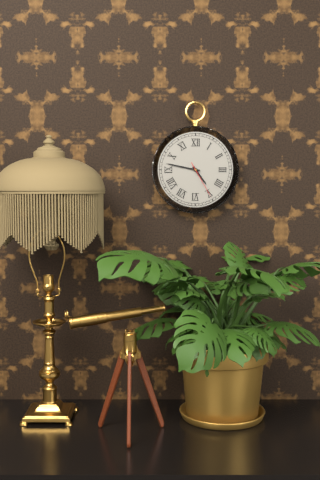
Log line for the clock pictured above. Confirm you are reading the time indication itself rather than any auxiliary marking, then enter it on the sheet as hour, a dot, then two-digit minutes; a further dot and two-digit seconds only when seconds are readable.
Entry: 4.47
